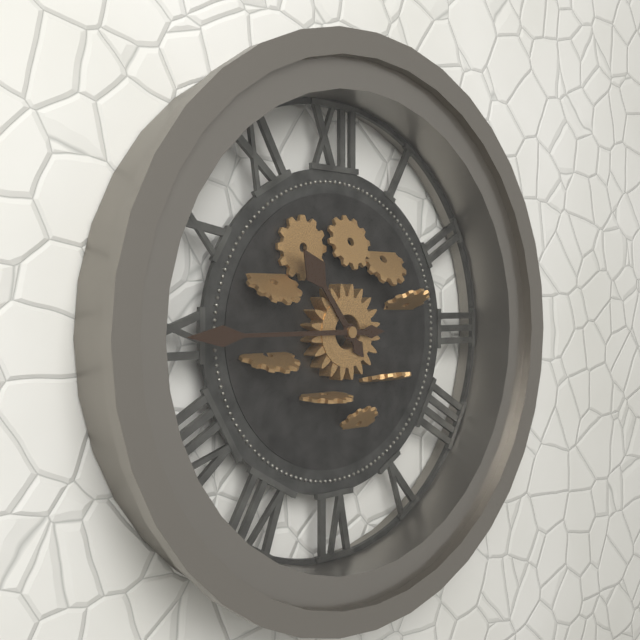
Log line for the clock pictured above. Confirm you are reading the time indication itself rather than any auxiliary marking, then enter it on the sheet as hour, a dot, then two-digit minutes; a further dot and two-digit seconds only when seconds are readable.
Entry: 10.45
